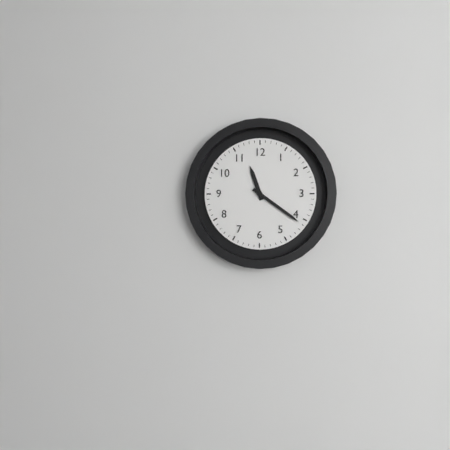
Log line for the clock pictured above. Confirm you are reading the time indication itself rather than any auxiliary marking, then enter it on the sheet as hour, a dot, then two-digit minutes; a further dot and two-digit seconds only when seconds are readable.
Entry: 11.21
